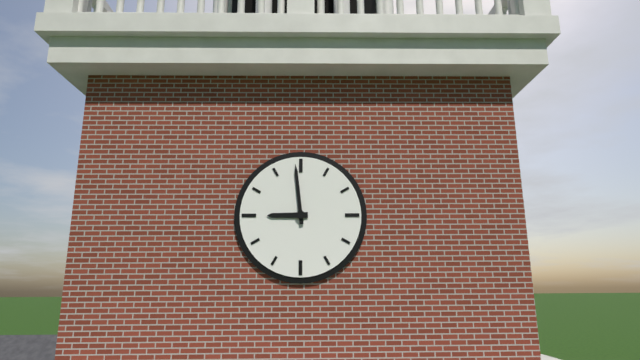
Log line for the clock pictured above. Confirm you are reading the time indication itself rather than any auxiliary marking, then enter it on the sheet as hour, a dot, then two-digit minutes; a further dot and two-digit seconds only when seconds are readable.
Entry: 8.59
